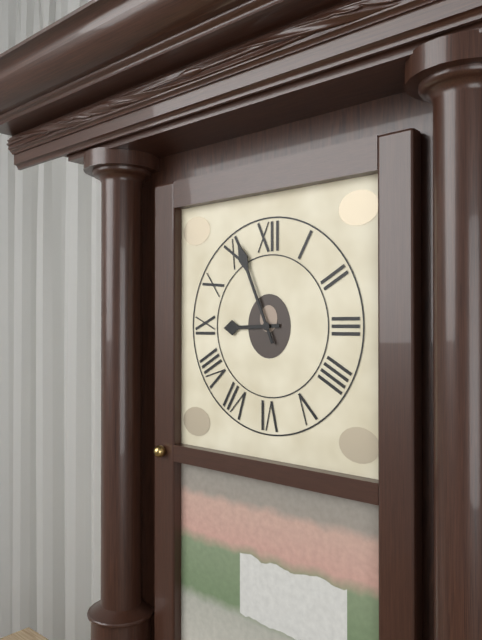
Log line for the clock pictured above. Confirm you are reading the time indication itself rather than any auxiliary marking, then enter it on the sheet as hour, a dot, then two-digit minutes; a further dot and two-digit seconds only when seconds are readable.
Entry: 8.56
